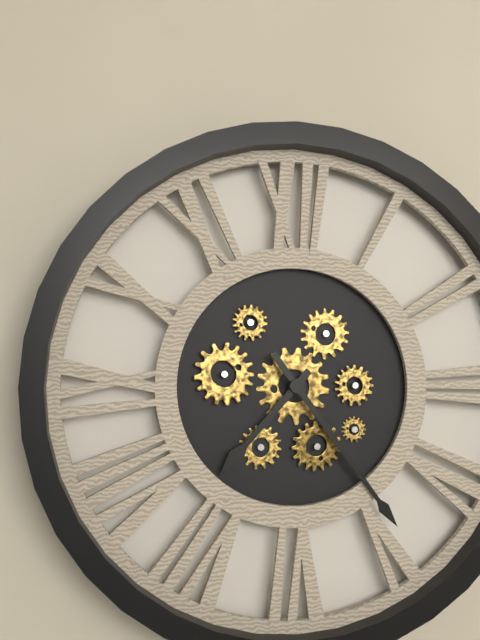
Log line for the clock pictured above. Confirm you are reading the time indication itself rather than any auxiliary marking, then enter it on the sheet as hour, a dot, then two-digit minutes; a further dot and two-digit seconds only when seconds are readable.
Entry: 7.24
